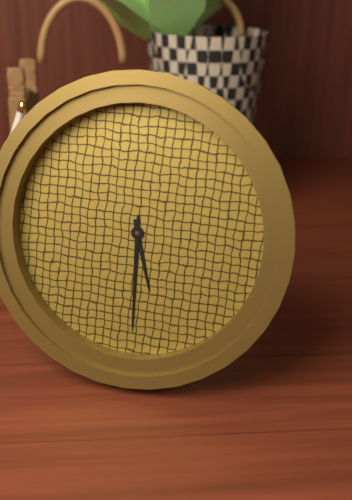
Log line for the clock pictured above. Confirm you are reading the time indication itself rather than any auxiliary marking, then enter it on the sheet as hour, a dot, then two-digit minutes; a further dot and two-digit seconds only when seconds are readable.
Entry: 5.30
